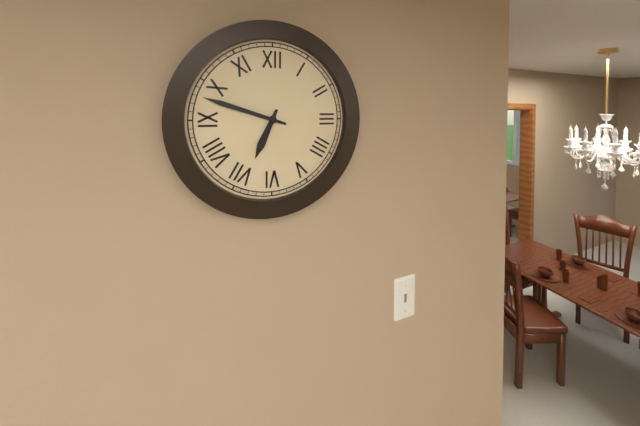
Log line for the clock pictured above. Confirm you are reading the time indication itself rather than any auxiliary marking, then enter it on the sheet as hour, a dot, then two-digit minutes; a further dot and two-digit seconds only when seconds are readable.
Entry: 6.48
